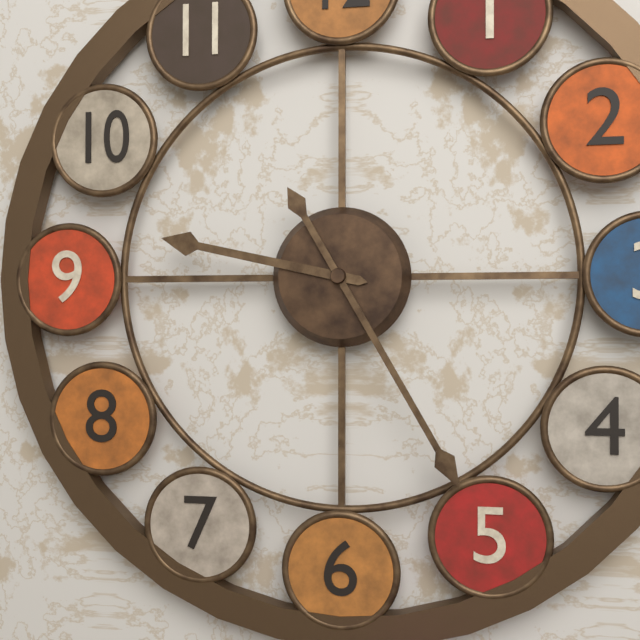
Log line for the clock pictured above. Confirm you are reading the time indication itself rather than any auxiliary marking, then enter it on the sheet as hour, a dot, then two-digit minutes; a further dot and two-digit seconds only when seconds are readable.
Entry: 9.25
